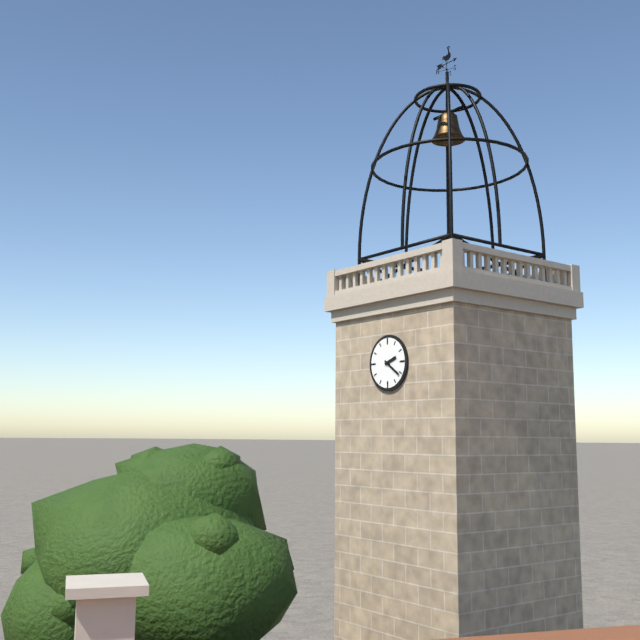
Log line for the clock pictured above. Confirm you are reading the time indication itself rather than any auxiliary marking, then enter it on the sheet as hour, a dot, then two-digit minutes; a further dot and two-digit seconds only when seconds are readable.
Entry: 2.21
